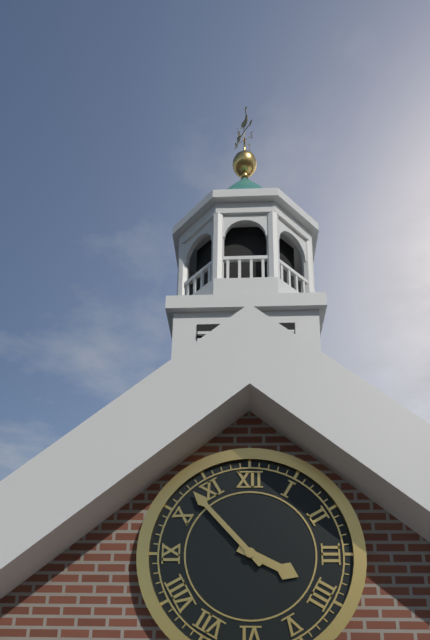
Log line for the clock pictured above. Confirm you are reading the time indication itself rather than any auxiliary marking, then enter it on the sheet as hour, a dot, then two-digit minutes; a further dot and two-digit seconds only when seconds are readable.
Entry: 3.53
